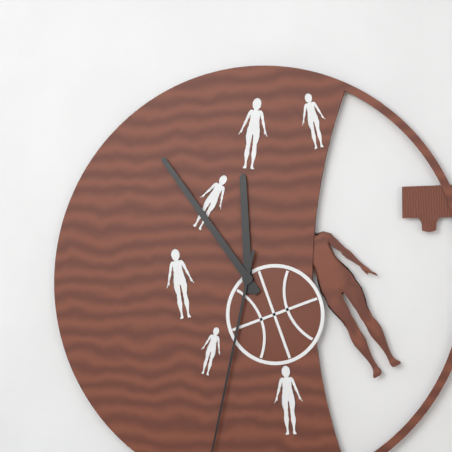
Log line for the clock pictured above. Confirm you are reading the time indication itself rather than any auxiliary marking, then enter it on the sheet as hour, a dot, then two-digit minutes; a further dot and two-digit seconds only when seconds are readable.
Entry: 11.54
